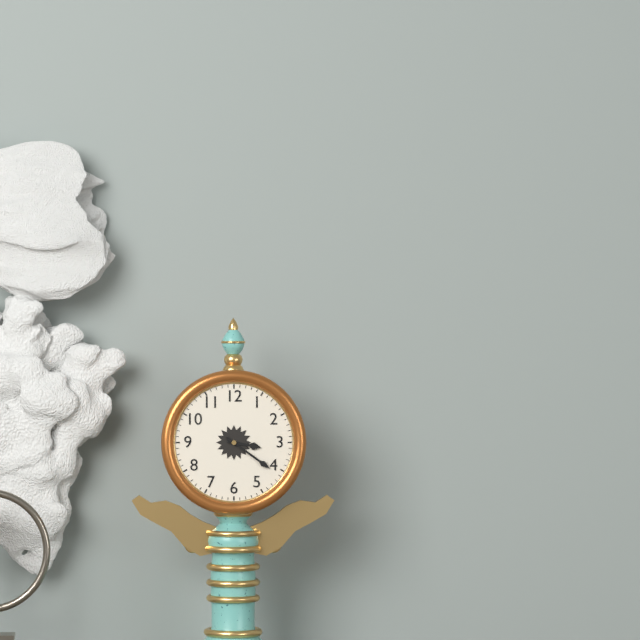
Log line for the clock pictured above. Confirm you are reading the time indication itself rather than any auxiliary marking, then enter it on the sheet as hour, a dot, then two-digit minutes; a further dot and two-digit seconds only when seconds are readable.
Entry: 3.21
